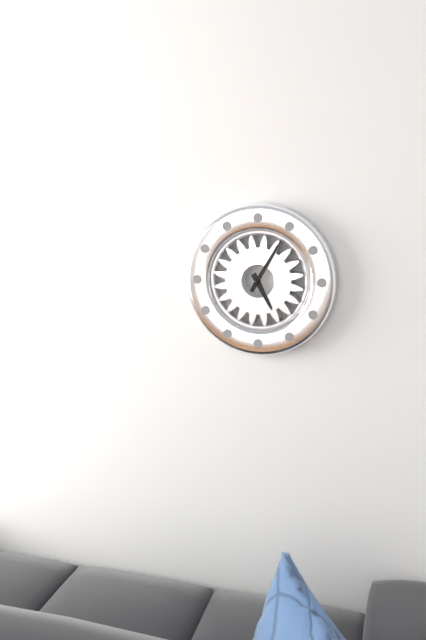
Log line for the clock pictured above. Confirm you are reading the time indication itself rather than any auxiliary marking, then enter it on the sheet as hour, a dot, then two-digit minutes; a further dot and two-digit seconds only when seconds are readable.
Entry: 5.05
